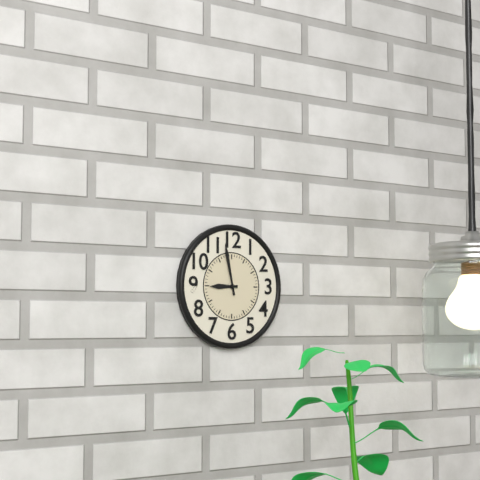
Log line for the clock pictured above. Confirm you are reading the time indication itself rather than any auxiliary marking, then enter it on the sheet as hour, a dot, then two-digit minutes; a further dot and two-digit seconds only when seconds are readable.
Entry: 8.58
